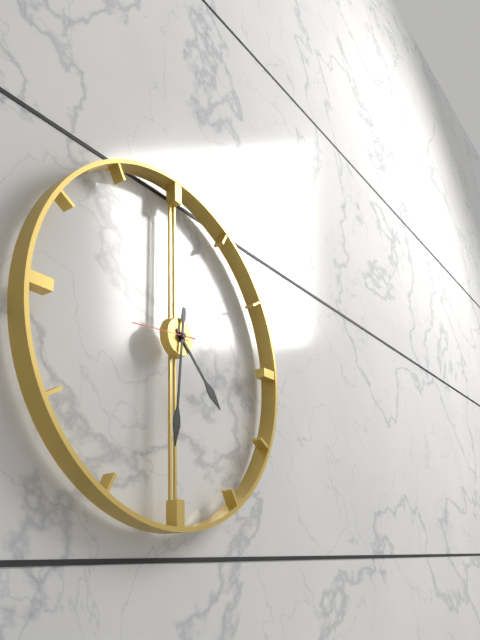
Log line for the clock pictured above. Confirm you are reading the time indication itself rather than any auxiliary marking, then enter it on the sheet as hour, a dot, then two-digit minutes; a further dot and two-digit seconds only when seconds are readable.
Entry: 4.31
